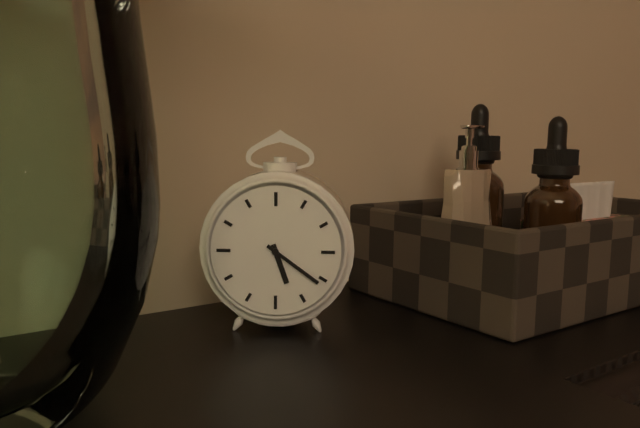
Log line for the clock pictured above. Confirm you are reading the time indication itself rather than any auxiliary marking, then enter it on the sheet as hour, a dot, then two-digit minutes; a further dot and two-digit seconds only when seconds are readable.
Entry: 5.21
